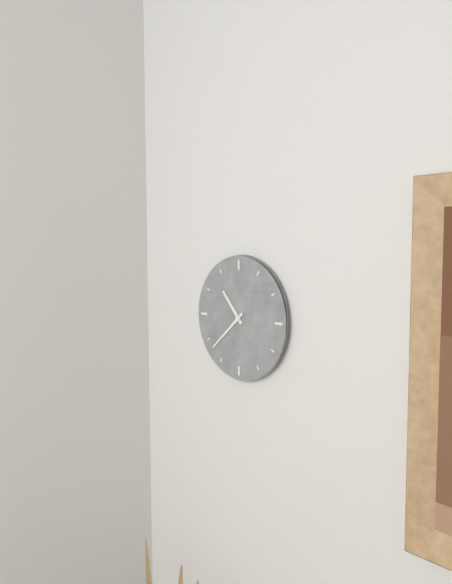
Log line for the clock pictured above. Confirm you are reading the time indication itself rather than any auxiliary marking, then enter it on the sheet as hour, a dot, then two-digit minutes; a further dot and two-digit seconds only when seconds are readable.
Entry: 10.38
